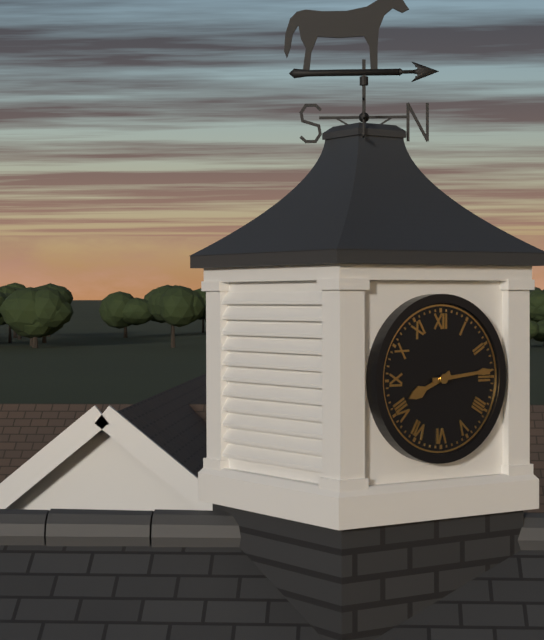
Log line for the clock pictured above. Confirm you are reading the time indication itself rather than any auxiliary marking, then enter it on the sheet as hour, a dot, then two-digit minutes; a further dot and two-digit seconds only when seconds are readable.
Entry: 8.14
